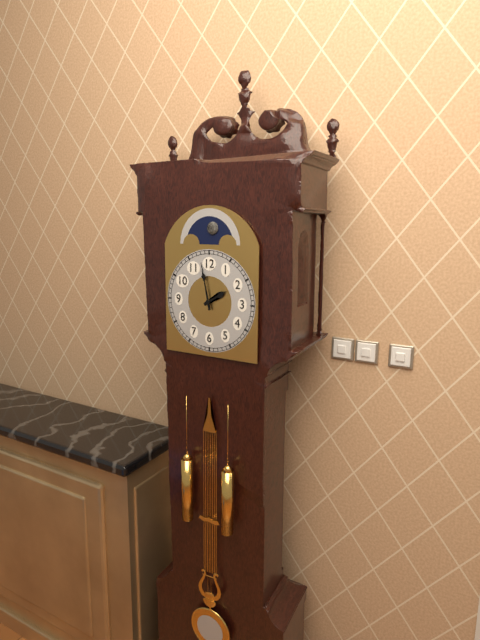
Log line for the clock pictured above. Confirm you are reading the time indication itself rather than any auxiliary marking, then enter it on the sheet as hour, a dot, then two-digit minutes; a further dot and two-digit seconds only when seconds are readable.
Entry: 1.58
